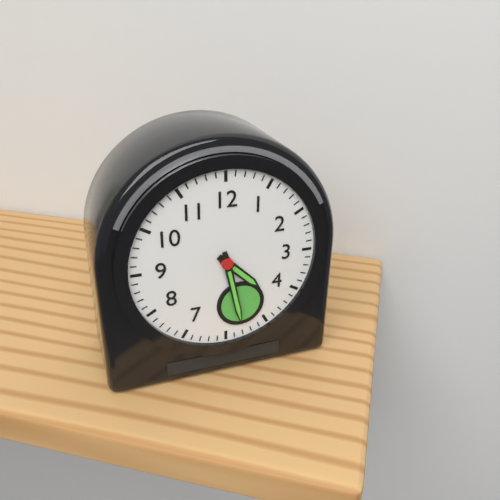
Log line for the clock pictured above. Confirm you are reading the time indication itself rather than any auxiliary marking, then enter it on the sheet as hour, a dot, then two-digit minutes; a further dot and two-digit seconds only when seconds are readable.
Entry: 4.28
